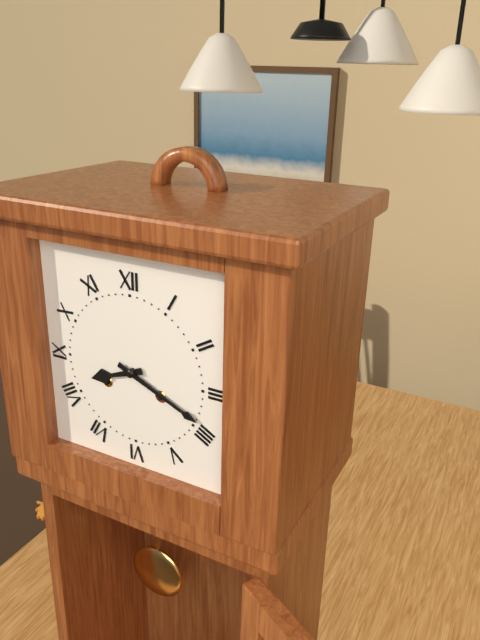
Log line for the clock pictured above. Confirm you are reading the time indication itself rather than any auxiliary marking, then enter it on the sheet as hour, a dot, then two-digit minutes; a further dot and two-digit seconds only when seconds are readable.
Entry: 8.19
